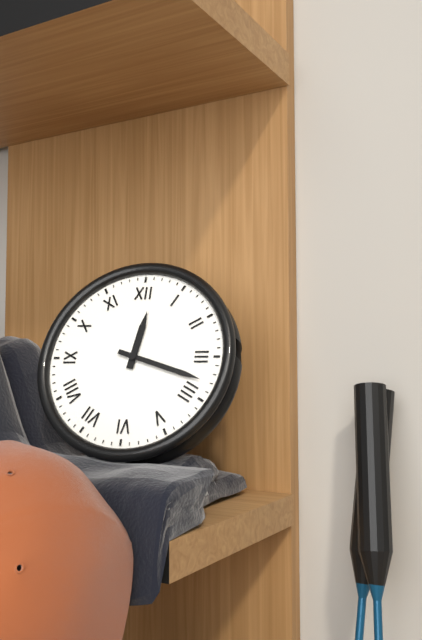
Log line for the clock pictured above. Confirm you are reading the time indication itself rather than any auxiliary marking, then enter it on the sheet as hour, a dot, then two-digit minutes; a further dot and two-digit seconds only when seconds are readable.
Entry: 12.18
